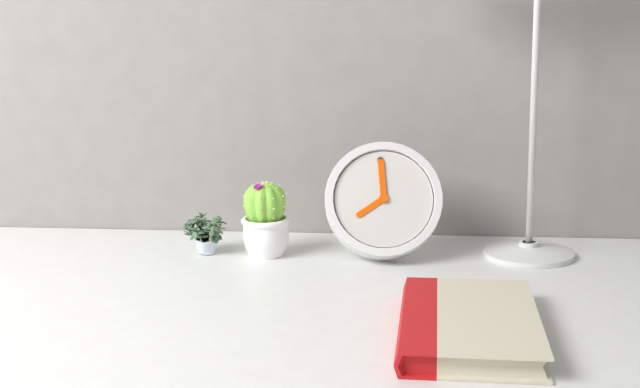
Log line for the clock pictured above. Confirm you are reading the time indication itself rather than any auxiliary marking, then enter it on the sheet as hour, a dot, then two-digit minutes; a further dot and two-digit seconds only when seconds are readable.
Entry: 8.00
